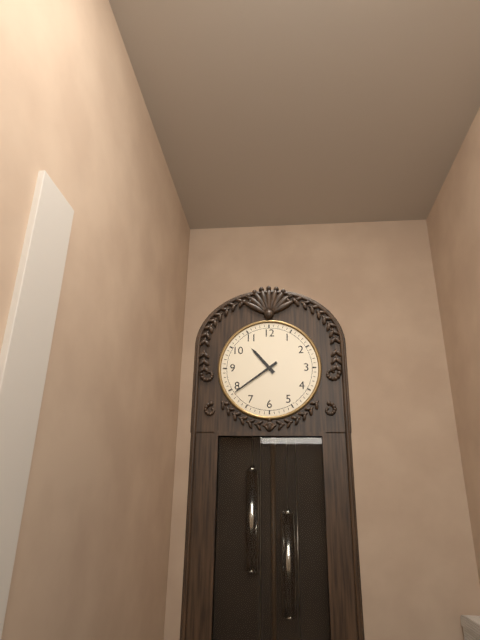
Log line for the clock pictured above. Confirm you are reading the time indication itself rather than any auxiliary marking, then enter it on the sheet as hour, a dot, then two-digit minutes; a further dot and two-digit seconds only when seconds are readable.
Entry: 10.39
